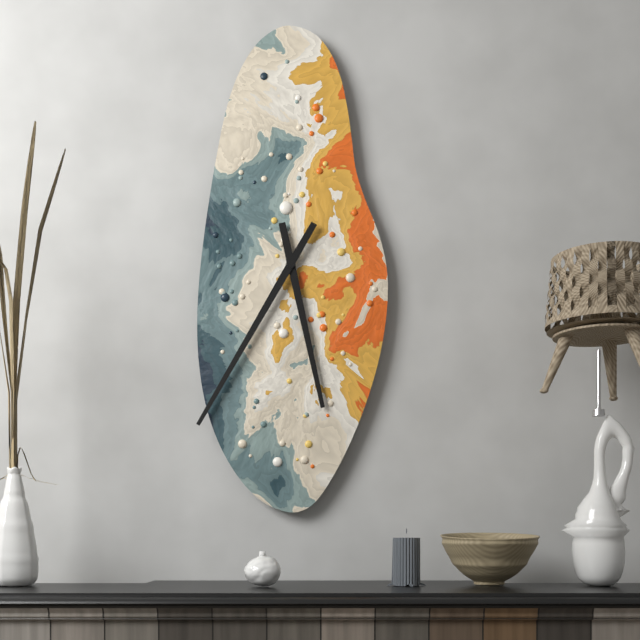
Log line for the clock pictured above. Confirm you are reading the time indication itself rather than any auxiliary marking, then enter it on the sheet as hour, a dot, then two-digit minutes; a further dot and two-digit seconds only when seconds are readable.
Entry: 5.35
